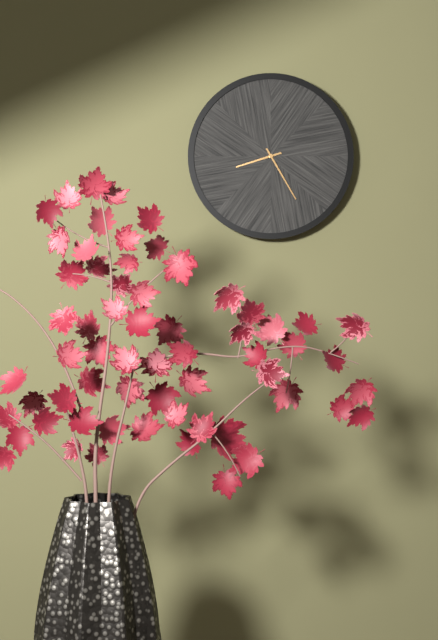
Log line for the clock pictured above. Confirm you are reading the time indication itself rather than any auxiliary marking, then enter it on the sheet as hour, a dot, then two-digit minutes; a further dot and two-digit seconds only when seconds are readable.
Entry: 8.25
